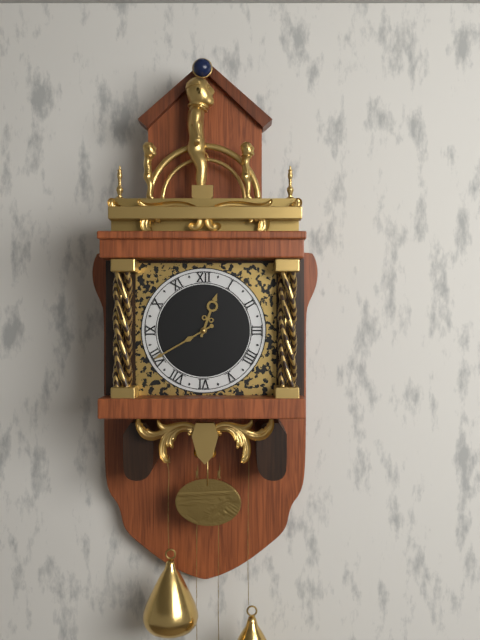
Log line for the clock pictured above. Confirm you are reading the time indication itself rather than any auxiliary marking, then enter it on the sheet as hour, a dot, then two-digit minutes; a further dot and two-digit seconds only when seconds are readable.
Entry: 12.40
